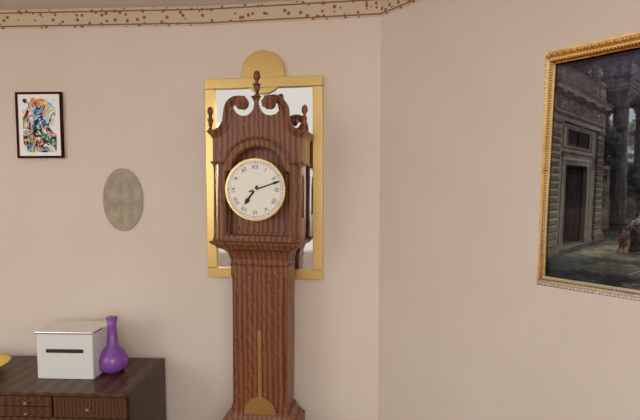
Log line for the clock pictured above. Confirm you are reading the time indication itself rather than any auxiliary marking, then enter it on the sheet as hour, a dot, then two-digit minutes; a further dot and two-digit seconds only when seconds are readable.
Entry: 7.12
